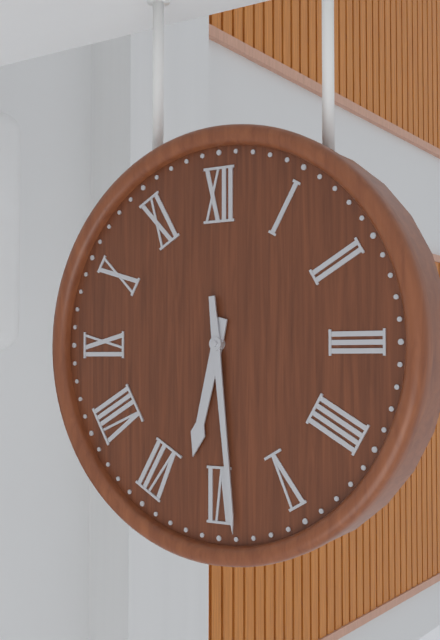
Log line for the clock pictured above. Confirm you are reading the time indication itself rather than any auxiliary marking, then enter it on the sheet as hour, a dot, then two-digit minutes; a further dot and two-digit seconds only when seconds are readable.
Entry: 6.29
